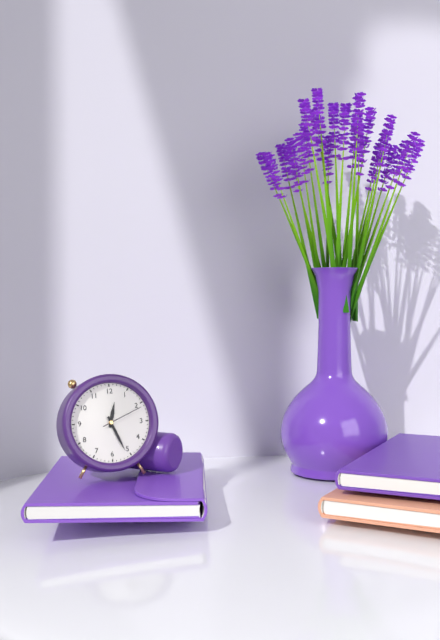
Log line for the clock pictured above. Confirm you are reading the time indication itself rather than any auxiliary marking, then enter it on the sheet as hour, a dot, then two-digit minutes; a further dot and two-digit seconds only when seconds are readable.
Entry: 12.26
